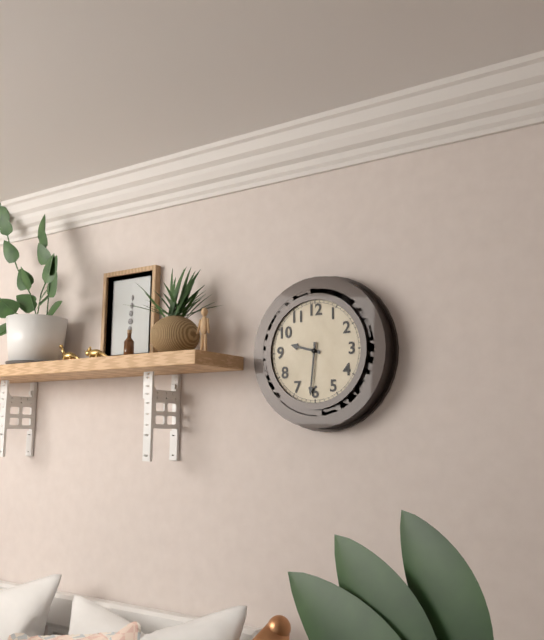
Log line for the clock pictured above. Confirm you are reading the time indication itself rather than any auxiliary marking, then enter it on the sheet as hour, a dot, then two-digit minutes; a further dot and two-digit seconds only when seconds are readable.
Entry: 9.31
